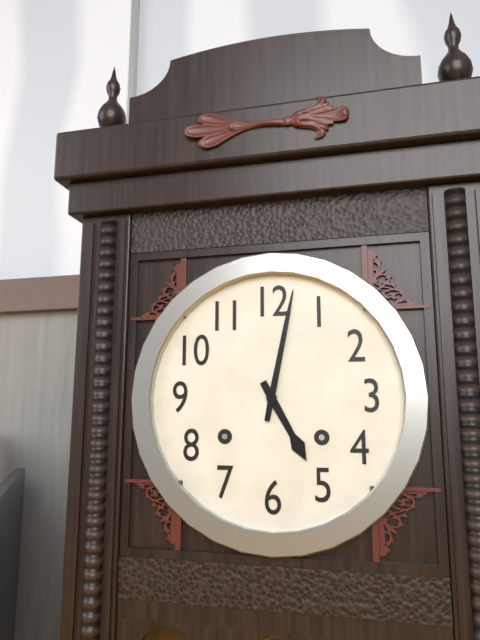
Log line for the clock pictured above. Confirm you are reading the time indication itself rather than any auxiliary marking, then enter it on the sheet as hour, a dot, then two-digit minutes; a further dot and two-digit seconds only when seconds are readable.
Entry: 5.02
